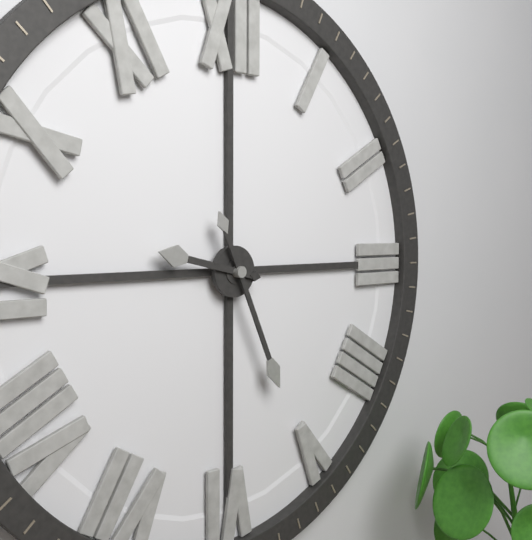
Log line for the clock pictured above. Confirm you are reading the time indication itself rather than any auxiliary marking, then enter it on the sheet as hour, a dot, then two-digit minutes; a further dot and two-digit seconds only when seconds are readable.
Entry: 9.26
